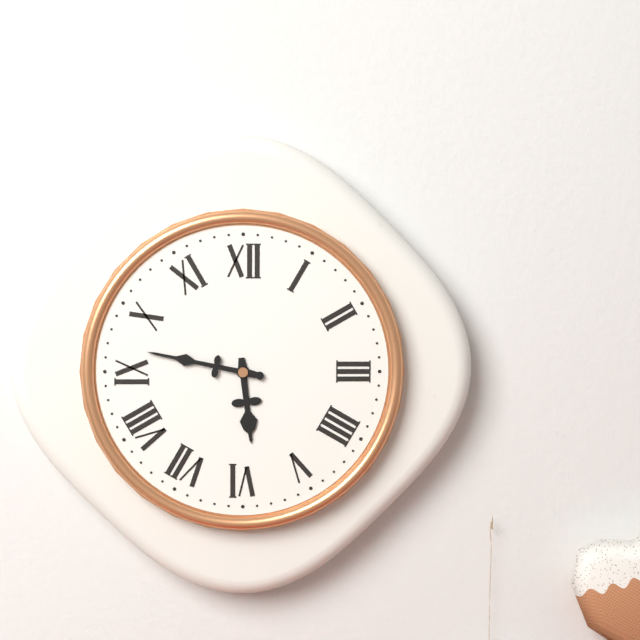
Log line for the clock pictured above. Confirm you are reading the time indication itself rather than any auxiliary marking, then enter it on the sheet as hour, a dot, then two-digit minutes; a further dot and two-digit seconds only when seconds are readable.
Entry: 5.47
